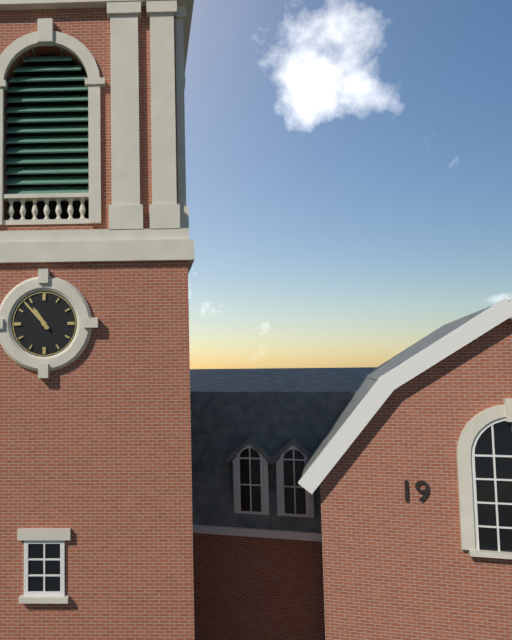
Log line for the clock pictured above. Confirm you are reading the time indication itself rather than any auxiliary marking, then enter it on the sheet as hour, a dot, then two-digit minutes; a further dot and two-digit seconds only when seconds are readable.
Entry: 10.53
